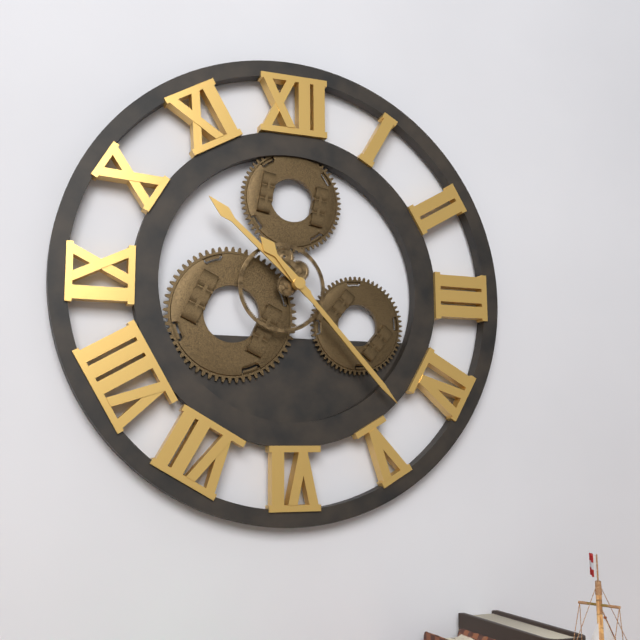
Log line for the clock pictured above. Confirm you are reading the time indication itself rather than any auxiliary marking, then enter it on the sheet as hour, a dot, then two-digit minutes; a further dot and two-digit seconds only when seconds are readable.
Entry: 10.23
